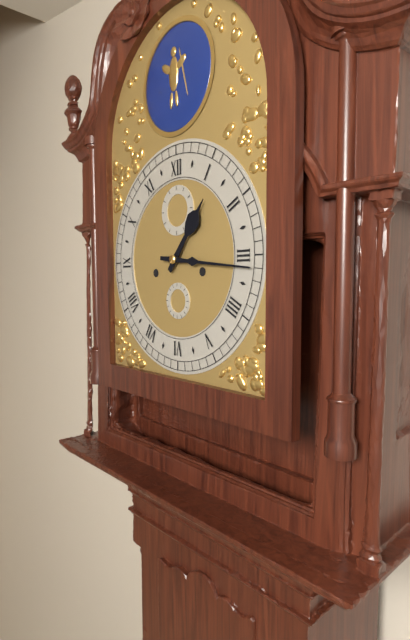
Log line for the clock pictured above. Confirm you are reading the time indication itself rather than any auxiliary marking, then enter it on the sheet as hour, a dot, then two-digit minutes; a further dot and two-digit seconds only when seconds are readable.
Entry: 1.16
